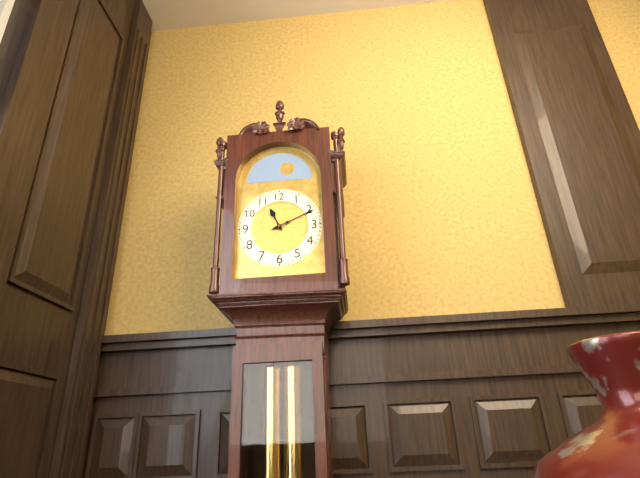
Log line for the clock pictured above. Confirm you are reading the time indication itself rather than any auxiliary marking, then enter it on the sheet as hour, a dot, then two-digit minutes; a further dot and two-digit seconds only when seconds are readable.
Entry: 11.11
